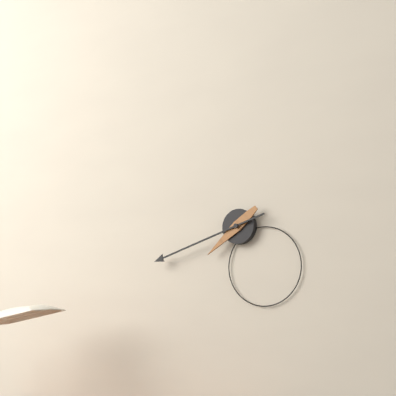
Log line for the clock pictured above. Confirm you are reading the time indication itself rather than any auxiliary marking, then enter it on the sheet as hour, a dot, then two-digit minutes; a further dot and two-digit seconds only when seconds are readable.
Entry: 7.42
